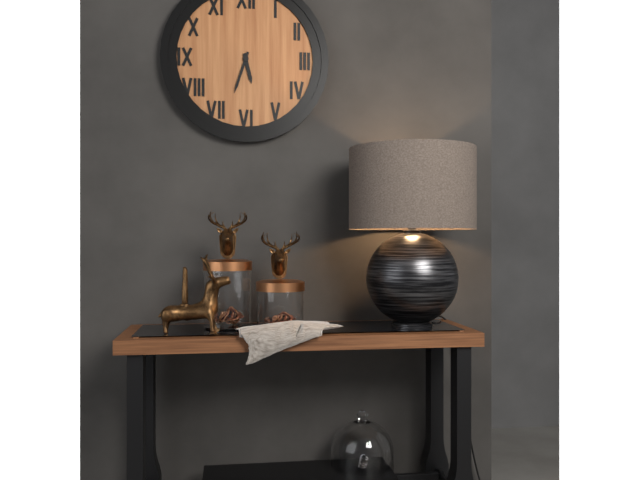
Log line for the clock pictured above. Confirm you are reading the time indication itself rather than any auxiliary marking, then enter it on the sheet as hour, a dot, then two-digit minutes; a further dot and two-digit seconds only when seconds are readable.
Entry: 5.33
